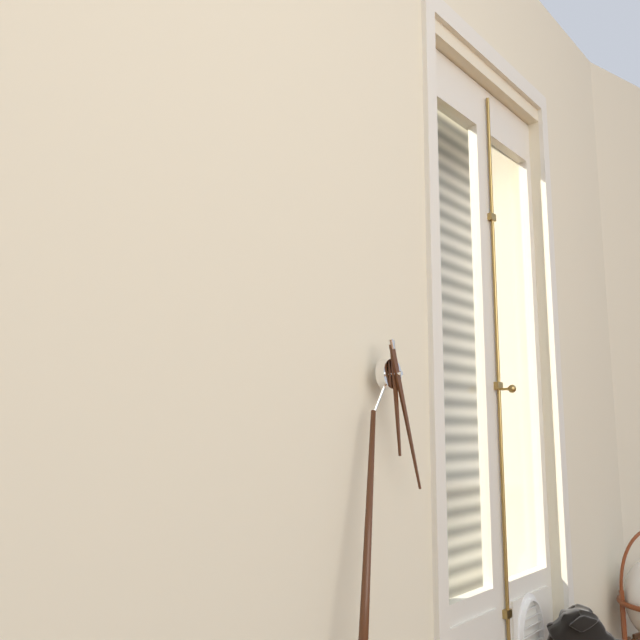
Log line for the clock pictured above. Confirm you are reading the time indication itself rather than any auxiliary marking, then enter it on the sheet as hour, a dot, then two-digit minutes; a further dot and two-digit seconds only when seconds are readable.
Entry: 5.25
